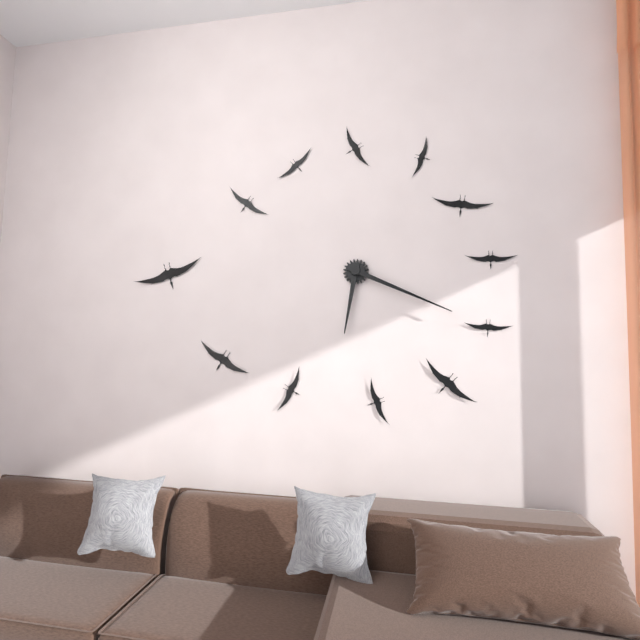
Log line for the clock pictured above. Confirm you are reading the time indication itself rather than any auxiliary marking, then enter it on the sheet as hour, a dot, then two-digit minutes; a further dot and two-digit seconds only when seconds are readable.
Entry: 6.19
